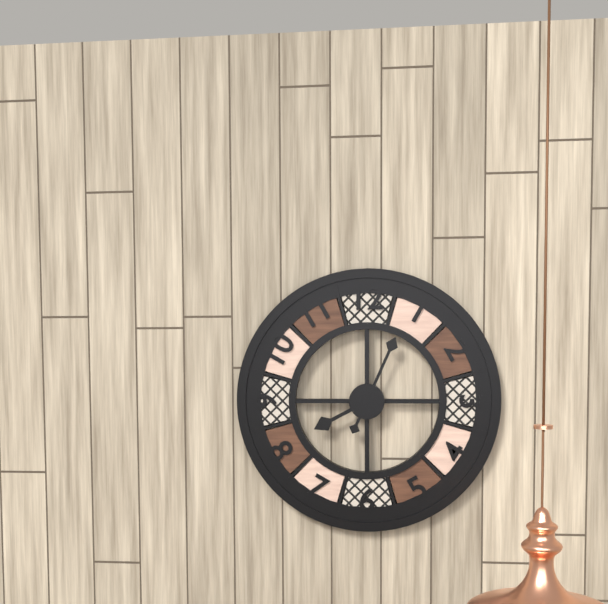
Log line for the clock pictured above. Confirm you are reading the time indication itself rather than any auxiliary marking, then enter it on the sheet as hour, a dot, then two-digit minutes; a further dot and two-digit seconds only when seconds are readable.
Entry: 8.04
